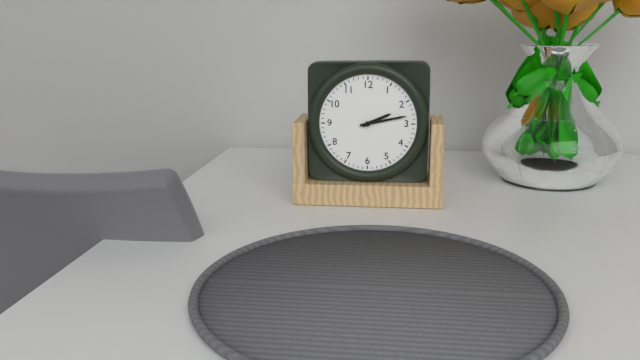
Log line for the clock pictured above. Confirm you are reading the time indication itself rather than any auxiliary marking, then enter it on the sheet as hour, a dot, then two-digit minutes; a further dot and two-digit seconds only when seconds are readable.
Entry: 2.13
